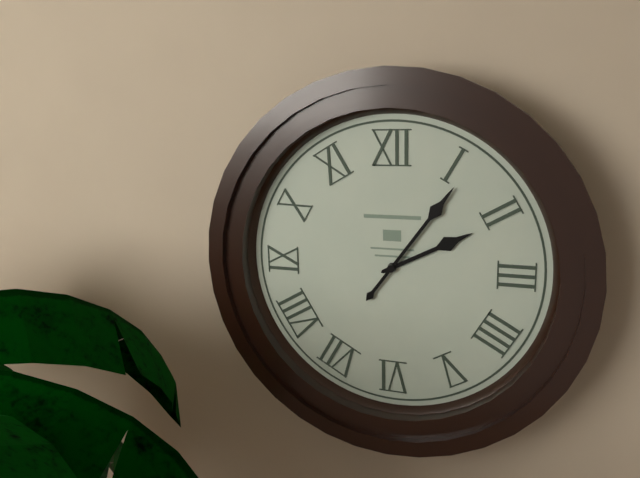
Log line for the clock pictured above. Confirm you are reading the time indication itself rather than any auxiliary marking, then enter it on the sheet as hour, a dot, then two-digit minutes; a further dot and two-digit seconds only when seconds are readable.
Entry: 2.06
